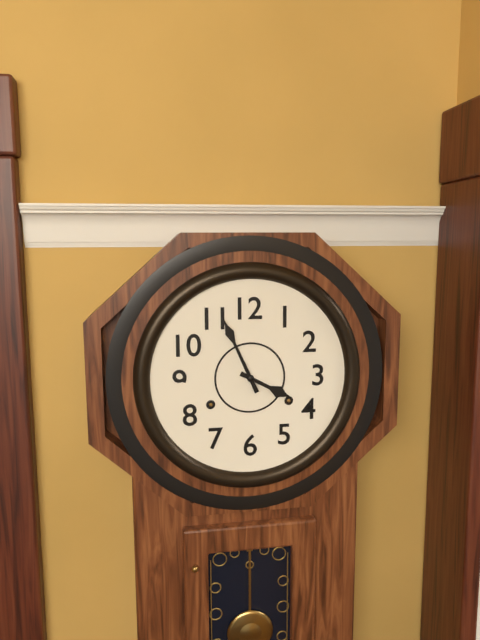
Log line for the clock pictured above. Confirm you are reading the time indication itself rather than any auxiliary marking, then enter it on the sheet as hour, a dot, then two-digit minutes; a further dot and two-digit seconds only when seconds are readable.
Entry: 3.56
